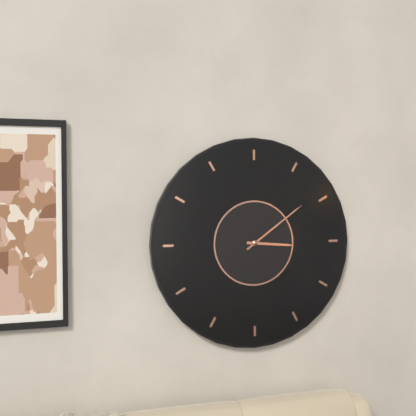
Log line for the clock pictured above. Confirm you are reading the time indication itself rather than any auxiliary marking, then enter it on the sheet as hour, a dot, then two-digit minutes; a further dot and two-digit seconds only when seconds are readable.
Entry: 3.09
